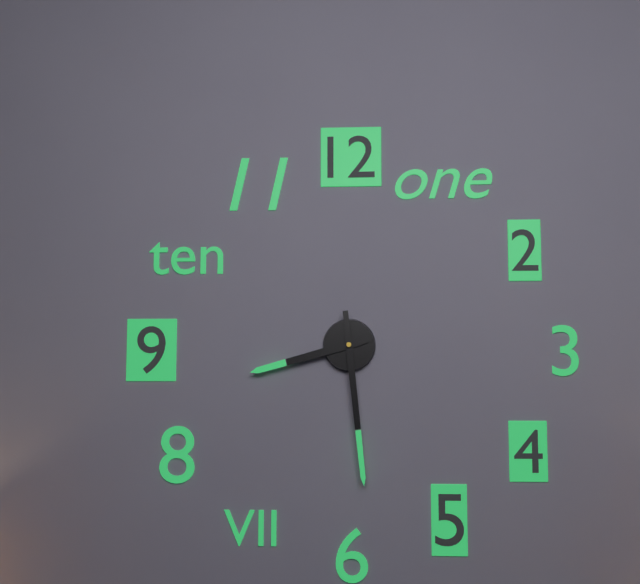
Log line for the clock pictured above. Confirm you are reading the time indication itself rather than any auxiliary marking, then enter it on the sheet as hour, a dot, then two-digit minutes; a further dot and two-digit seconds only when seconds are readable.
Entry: 8.29
